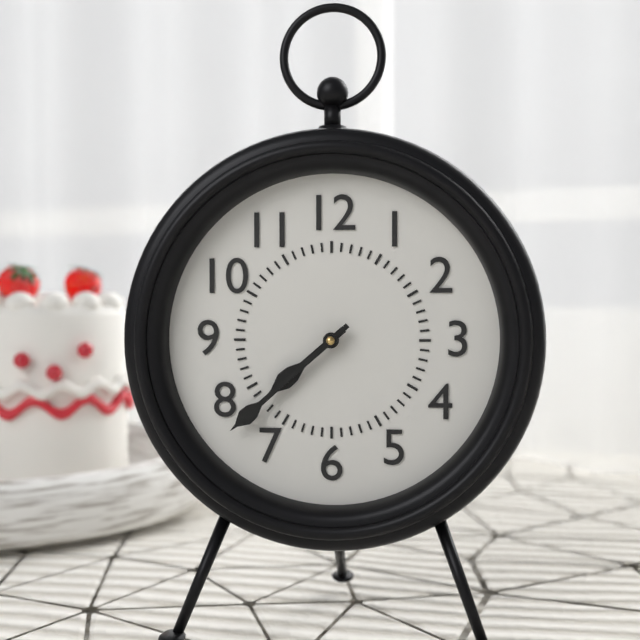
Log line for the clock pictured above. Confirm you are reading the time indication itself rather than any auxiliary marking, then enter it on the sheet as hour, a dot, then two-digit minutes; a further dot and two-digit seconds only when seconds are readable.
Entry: 7.38
